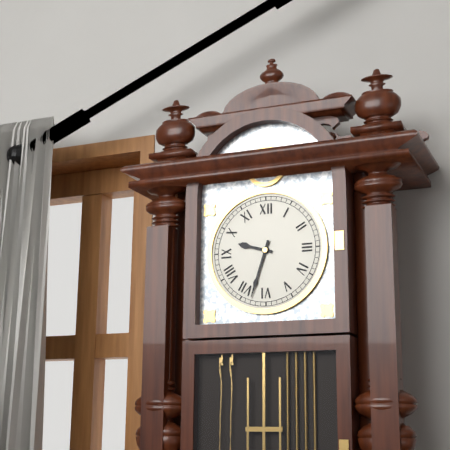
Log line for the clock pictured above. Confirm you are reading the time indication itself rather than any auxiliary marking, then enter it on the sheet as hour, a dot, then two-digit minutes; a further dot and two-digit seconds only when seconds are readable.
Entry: 9.33
